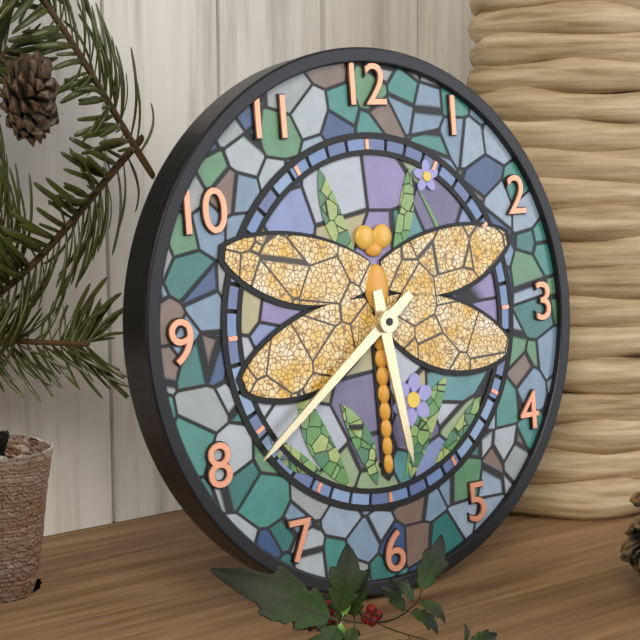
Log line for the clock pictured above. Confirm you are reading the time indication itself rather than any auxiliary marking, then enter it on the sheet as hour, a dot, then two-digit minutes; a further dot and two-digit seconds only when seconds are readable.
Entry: 5.39
